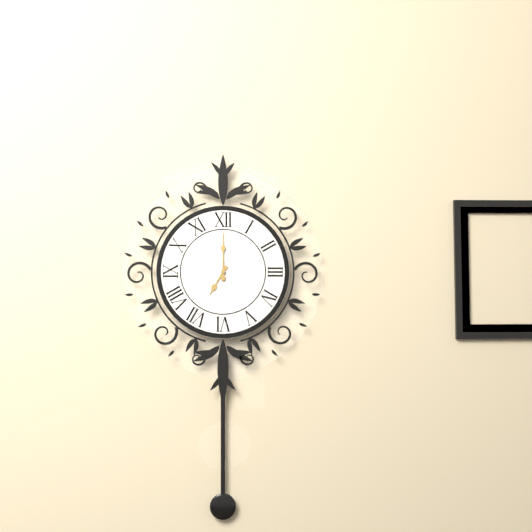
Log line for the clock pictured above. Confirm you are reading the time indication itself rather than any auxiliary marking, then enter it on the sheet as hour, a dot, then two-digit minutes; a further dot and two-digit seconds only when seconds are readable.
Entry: 7.00
